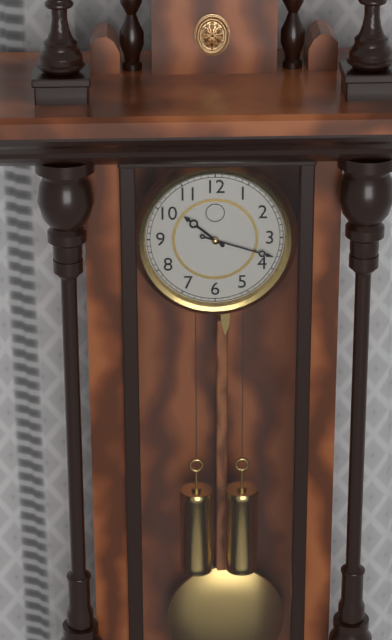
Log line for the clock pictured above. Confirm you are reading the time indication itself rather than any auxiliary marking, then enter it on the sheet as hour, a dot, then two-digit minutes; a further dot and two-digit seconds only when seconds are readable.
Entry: 10.18
